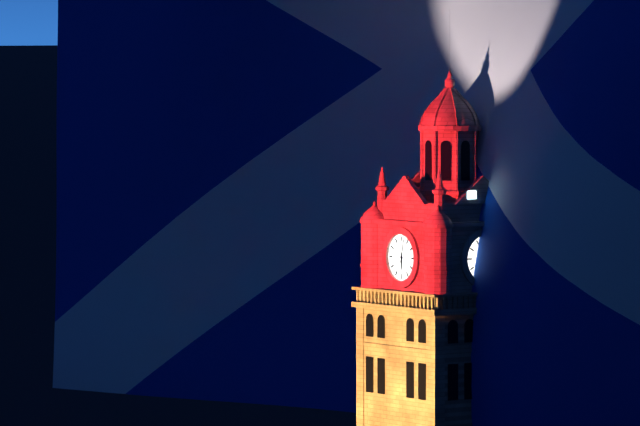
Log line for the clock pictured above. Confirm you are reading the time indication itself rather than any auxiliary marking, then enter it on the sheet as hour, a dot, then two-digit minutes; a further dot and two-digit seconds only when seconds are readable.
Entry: 6.02
